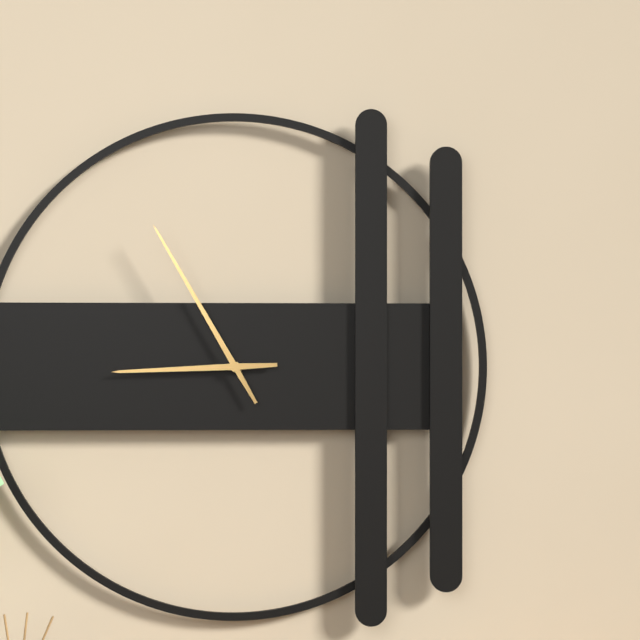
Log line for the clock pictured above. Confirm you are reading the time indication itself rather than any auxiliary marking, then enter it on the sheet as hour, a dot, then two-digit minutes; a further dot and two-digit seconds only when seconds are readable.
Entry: 8.55
